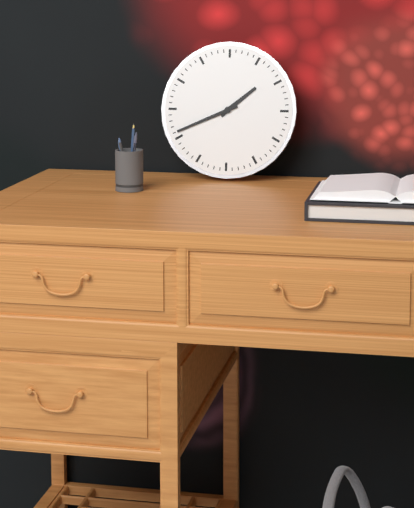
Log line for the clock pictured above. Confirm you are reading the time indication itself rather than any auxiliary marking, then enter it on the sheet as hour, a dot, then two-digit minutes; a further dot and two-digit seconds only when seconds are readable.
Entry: 1.41
